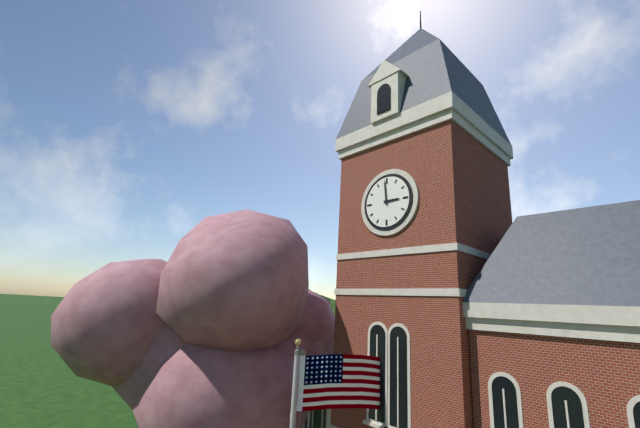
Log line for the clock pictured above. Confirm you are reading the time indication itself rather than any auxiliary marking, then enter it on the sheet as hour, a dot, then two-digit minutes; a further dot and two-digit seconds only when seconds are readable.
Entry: 2.59
